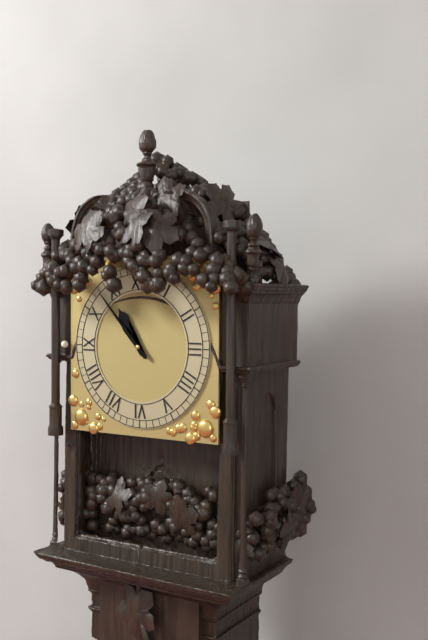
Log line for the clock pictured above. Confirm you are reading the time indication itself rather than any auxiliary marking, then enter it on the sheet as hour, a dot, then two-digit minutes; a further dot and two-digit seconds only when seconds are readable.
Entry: 10.53
